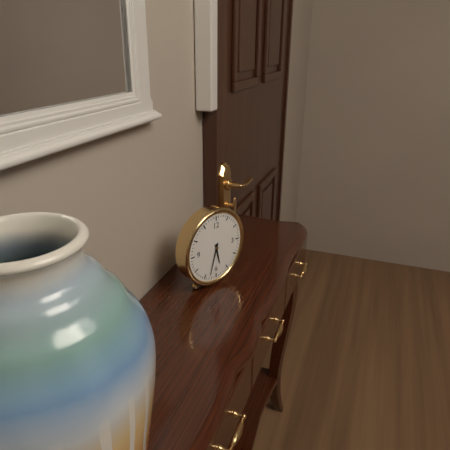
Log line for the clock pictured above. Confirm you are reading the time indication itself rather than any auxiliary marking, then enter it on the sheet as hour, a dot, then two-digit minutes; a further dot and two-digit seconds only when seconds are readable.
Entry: 5.33
